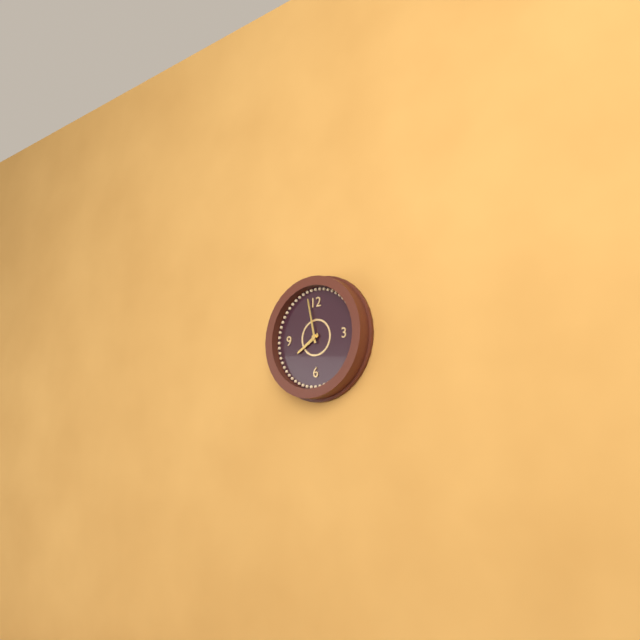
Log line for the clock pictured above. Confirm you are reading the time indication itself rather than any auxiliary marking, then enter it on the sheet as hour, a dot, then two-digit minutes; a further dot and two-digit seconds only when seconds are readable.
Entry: 7.58
